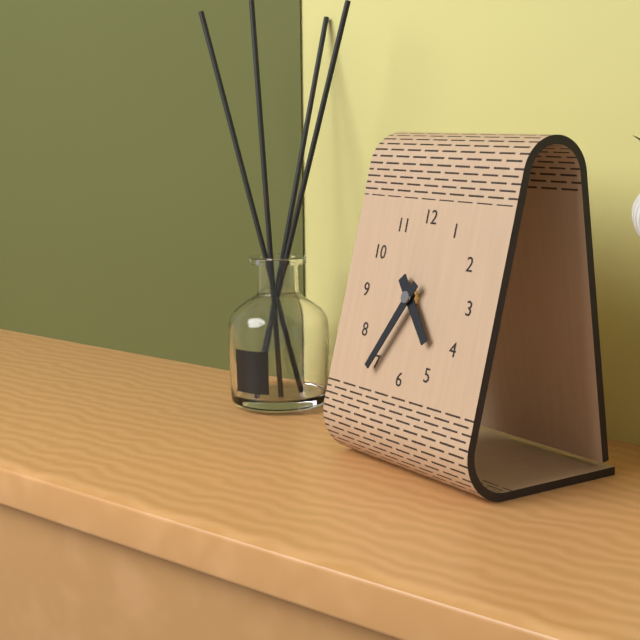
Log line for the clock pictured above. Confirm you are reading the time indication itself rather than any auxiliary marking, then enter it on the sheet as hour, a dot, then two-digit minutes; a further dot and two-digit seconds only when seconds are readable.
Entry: 4.35
